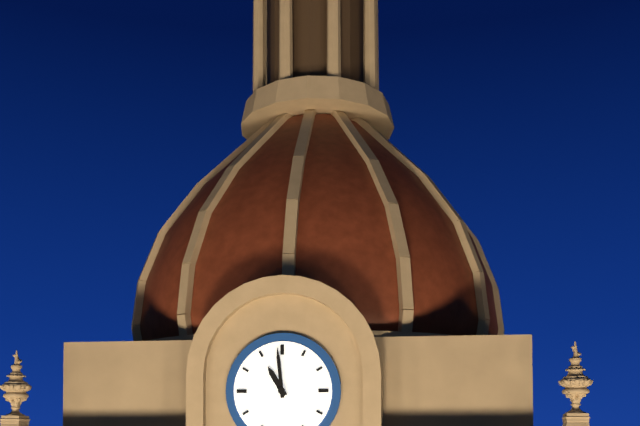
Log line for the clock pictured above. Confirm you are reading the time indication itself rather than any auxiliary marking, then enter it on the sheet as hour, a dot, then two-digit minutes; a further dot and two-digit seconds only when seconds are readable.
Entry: 10.59
